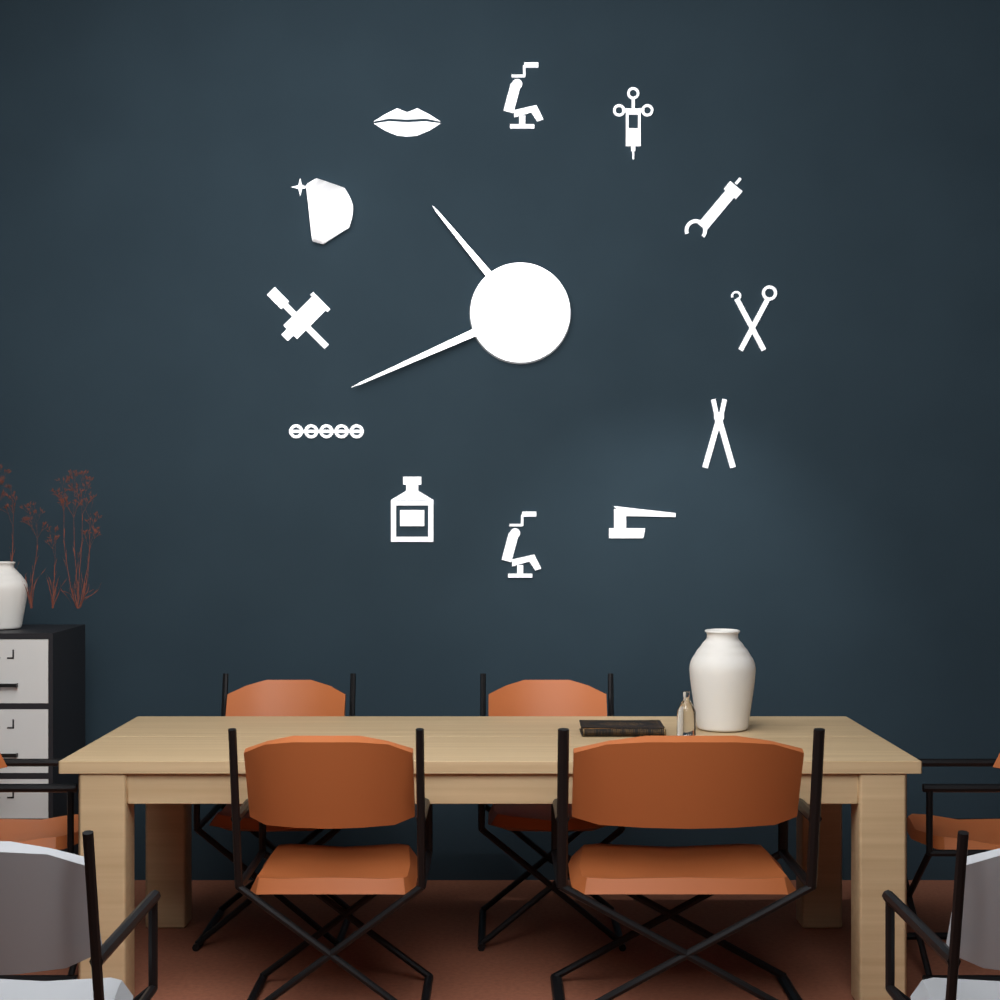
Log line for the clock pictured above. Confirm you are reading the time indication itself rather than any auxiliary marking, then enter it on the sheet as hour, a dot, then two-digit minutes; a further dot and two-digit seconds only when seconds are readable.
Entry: 10.41
